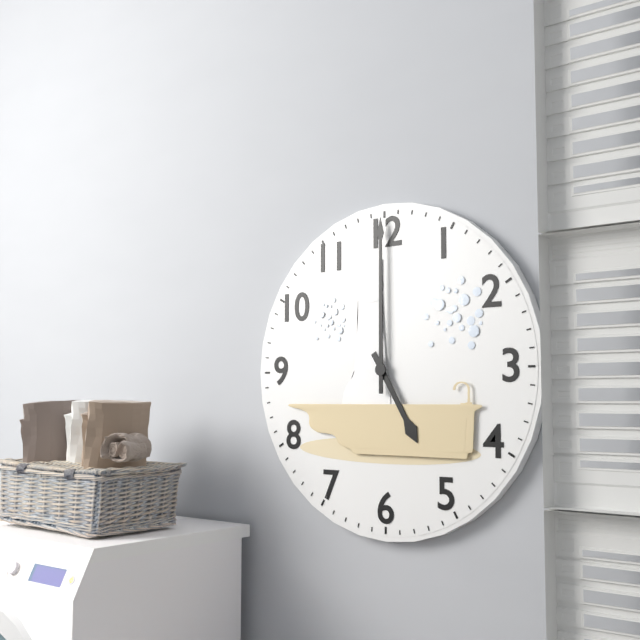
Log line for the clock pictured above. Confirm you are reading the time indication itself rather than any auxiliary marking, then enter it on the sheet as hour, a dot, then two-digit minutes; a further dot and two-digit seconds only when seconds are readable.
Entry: 5.00
